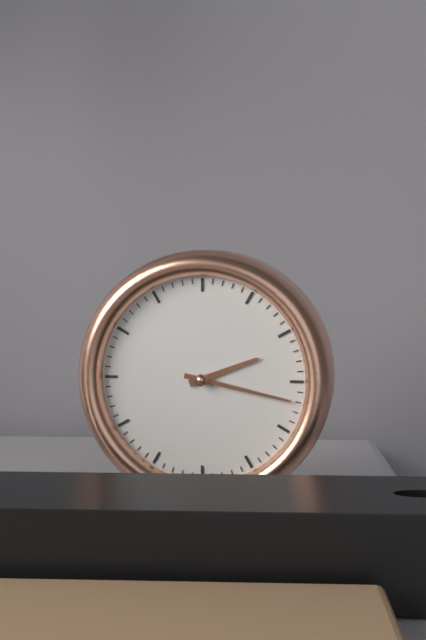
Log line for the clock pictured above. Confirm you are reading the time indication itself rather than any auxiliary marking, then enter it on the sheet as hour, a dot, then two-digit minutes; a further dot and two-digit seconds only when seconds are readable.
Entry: 2.17
